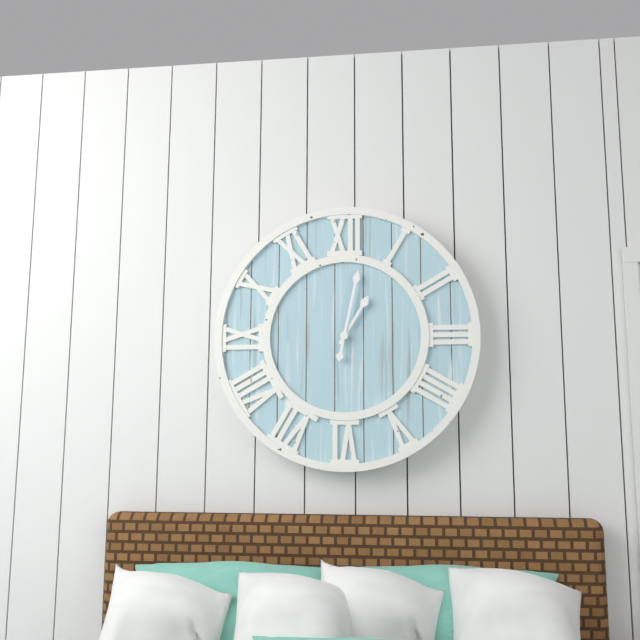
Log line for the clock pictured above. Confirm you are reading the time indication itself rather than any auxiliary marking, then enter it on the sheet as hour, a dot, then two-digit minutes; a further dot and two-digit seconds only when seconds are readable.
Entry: 1.02
